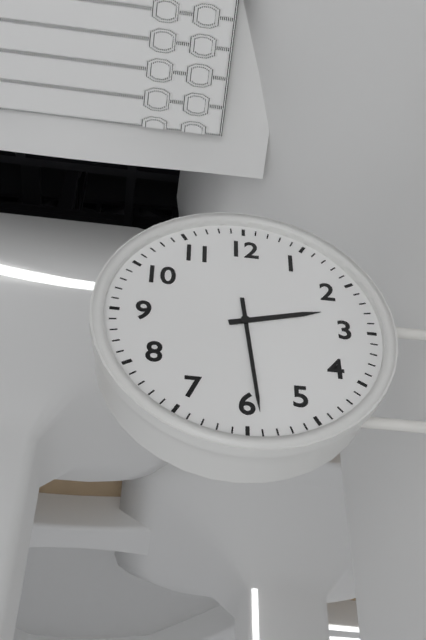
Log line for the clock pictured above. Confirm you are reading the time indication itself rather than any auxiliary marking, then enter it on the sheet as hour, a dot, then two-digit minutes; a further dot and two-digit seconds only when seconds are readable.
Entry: 2.29
